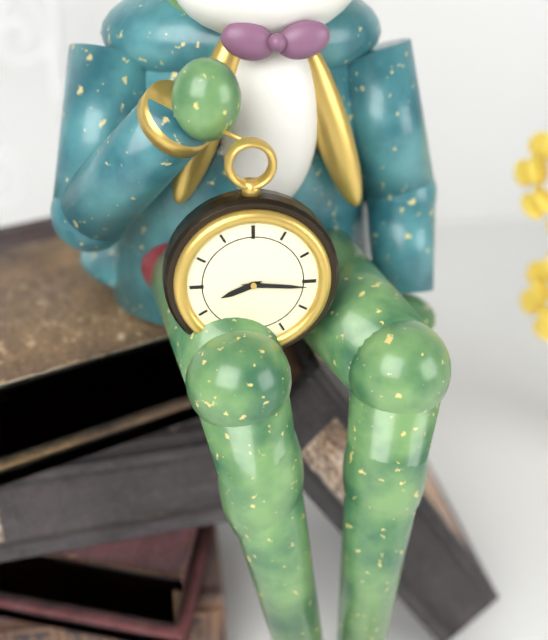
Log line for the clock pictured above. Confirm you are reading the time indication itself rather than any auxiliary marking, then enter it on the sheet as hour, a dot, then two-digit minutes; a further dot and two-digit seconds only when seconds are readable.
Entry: 8.16
